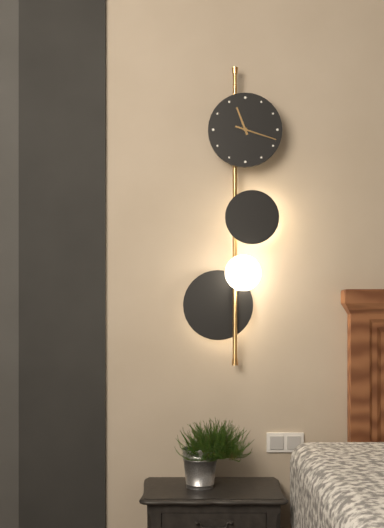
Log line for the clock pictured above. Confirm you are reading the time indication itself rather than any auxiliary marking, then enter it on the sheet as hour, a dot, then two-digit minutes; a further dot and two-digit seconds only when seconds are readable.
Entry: 11.18
